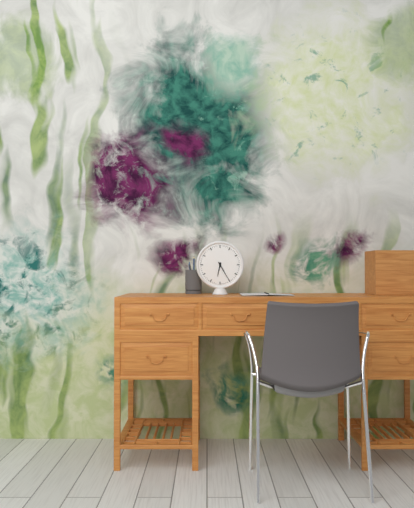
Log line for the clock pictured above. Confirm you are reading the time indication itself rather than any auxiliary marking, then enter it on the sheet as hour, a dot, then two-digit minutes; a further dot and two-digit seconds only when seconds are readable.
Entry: 6.25
